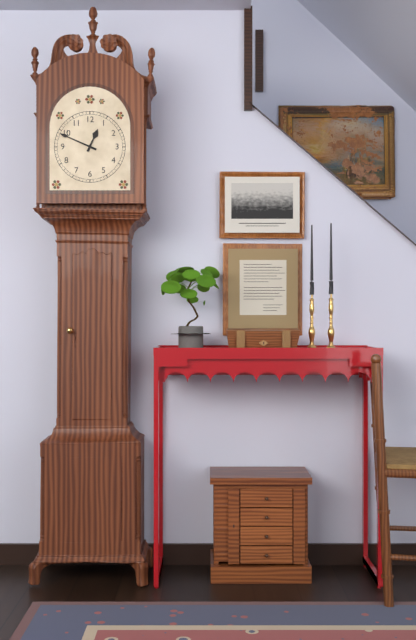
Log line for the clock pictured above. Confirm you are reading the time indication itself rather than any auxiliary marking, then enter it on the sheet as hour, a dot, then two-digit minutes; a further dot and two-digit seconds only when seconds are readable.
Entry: 12.49
